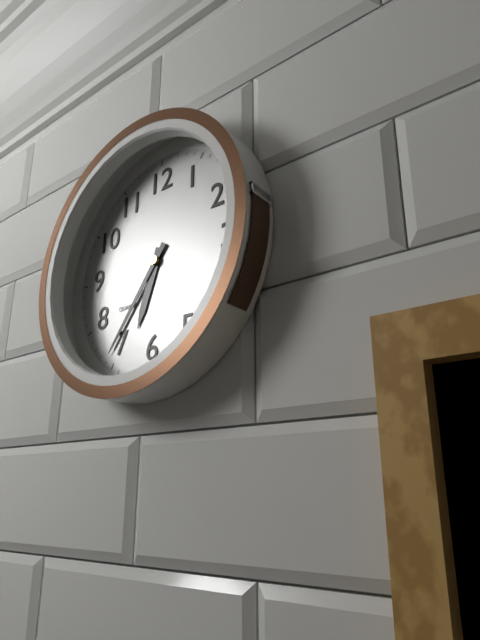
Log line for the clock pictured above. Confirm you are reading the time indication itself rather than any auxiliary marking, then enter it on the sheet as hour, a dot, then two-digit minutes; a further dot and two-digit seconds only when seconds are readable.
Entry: 6.36
